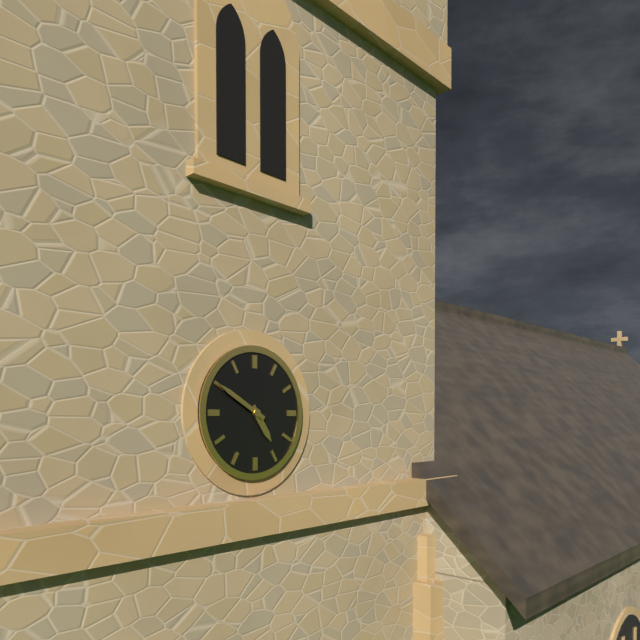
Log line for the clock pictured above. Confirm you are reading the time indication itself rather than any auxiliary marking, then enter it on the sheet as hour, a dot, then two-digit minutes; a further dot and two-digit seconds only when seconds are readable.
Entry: 4.50
